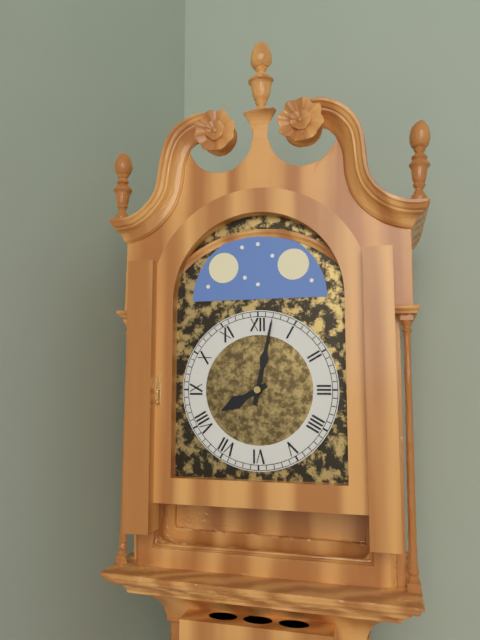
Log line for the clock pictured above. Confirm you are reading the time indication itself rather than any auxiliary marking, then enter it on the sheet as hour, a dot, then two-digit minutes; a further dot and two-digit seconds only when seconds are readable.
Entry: 8.02
